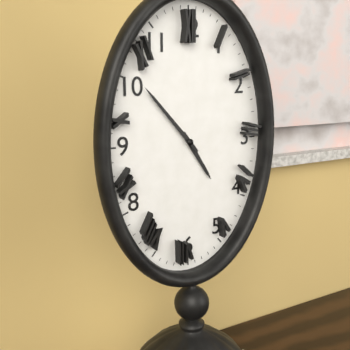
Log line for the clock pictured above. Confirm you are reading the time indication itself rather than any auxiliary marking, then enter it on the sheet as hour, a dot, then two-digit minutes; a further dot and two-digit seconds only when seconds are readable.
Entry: 4.53
